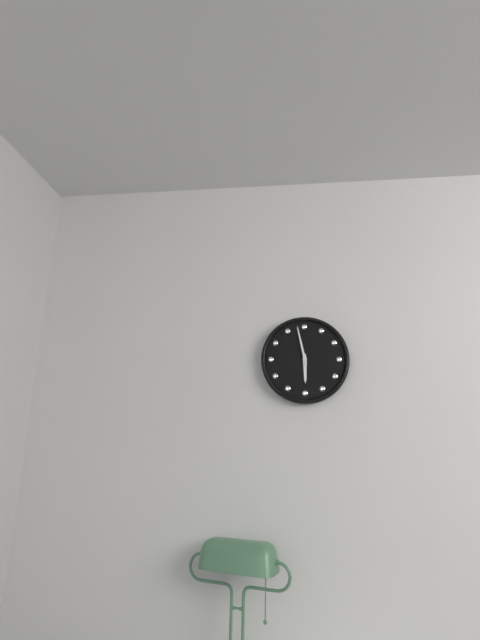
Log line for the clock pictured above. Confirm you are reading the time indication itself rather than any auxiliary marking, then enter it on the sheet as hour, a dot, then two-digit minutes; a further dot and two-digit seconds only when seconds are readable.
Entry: 5.58
